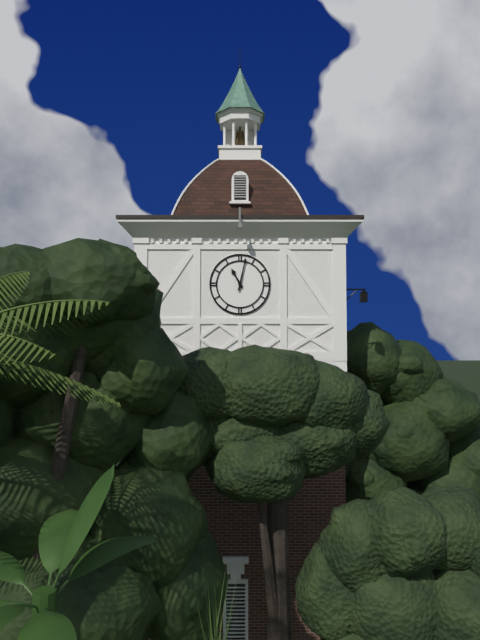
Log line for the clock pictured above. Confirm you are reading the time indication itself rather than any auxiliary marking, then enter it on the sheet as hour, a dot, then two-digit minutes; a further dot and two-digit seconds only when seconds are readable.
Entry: 11.02
